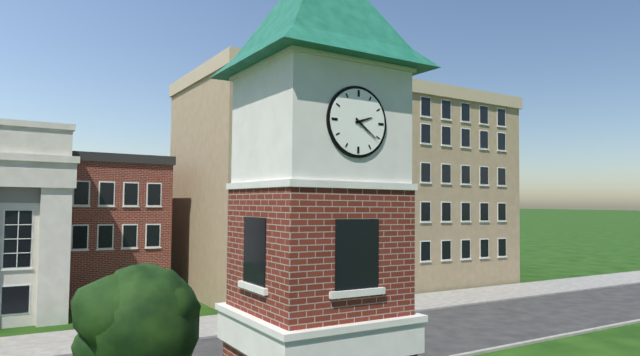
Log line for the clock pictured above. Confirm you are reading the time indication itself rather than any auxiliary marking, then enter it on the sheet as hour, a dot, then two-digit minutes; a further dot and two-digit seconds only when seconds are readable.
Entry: 2.21
